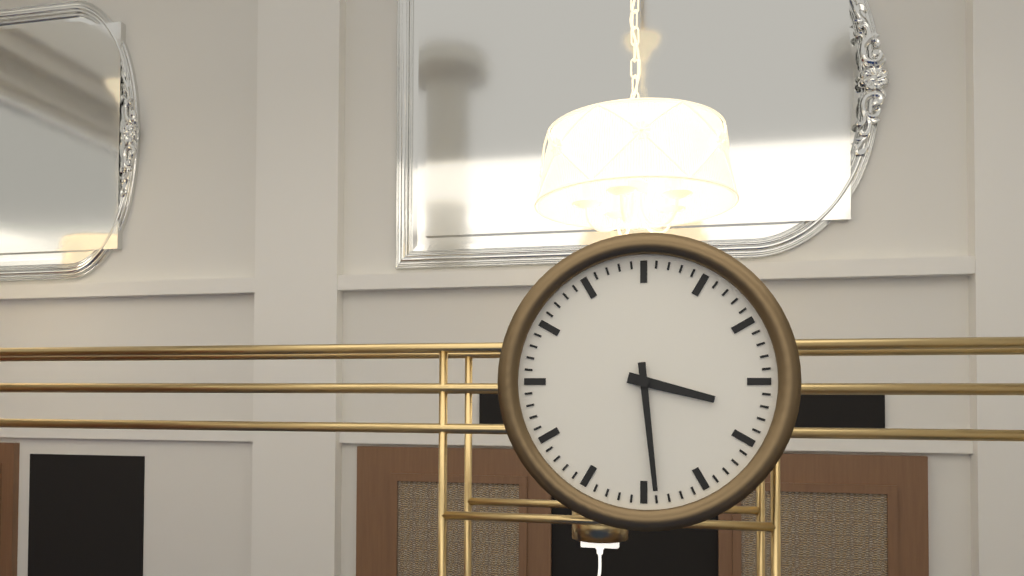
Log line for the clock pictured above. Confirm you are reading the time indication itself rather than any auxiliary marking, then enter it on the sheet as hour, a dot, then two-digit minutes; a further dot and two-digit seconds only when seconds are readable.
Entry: 3.29
